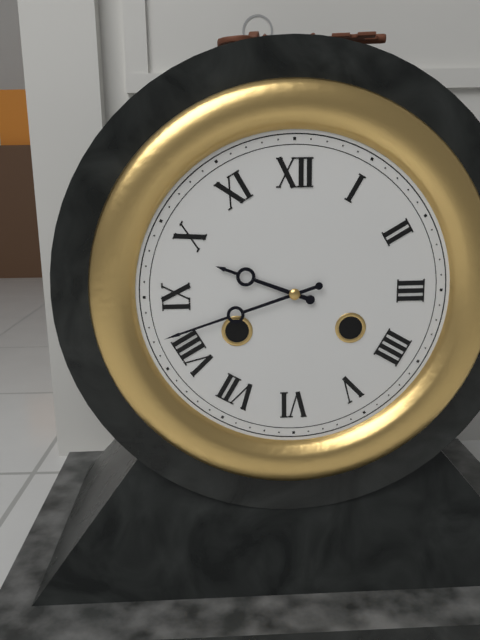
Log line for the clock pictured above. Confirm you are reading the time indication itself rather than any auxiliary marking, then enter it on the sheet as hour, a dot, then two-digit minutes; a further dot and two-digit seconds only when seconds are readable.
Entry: 9.42
